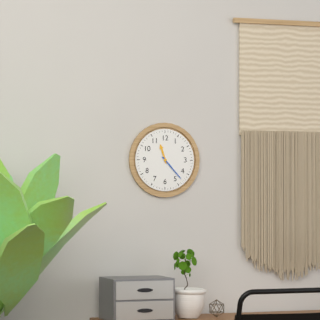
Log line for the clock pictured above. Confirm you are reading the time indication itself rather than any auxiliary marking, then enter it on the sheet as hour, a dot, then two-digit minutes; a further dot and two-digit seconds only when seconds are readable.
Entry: 11.23
